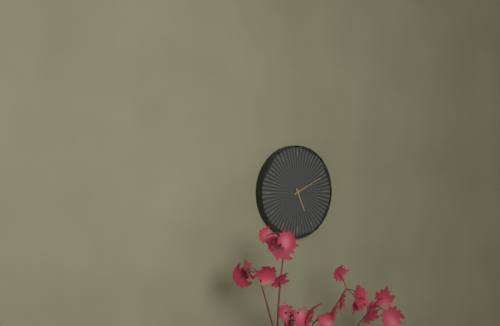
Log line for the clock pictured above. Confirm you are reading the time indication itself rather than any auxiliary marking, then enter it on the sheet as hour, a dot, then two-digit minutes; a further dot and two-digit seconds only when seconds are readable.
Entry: 5.11
